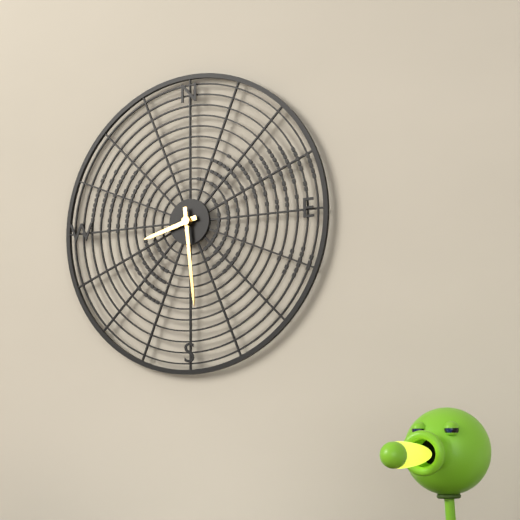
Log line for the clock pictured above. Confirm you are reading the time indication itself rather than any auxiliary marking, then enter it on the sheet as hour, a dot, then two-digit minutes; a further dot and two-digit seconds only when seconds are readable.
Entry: 8.29
